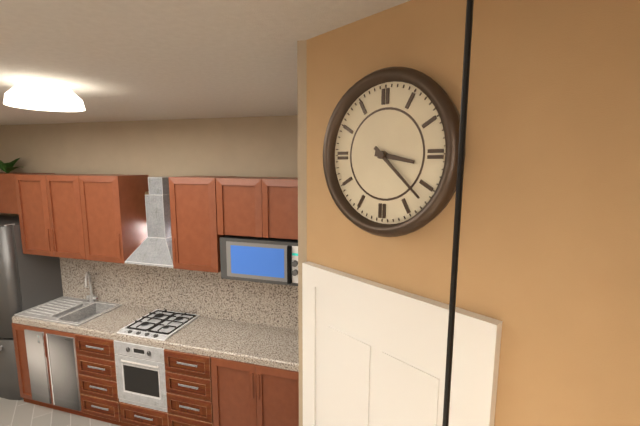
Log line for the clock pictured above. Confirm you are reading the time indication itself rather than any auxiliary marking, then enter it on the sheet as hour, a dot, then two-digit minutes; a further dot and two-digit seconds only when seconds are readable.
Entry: 3.22
